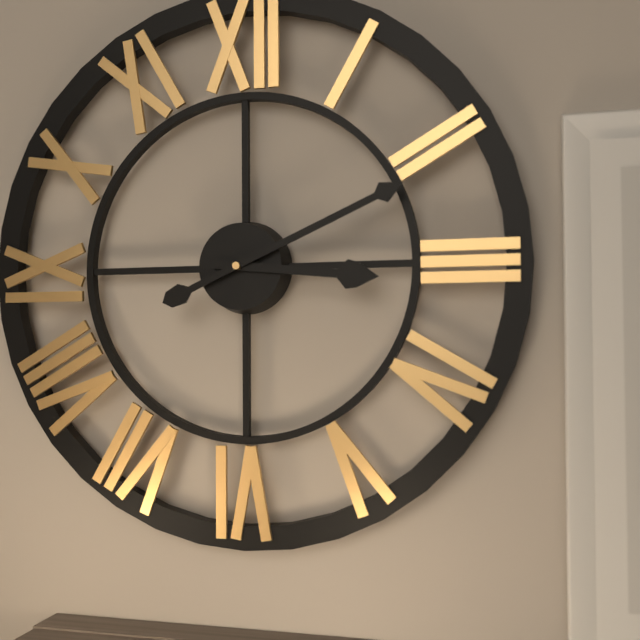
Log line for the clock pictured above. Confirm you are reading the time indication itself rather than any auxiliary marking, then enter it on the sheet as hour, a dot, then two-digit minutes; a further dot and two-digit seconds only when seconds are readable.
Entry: 3.11
